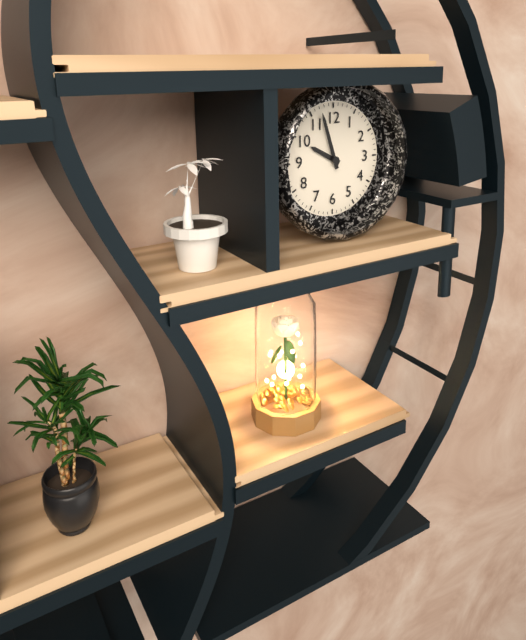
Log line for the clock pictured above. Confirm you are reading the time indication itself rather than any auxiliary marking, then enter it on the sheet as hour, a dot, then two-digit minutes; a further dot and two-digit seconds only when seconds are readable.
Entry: 9.57
